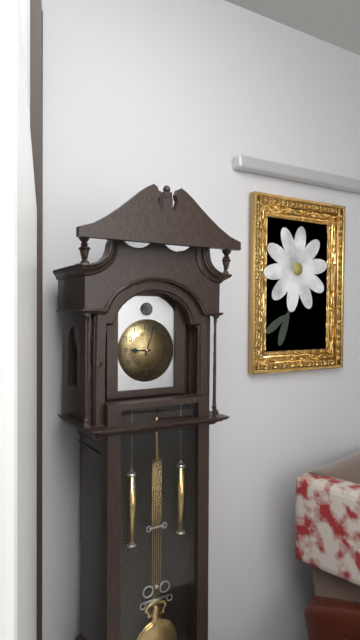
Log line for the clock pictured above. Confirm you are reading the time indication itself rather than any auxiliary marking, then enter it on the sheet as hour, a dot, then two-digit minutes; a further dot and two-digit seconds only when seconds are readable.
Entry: 9.03
